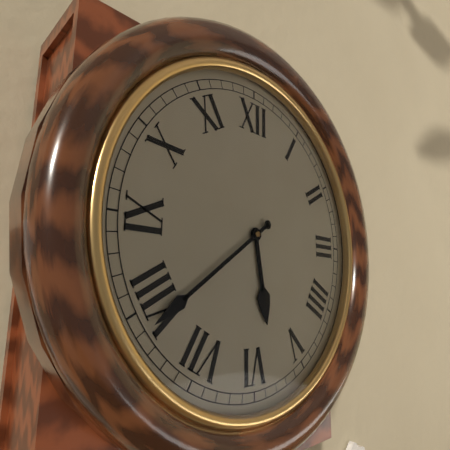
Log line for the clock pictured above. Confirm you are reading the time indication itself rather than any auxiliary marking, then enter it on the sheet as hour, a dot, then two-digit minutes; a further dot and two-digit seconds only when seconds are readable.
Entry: 5.39
